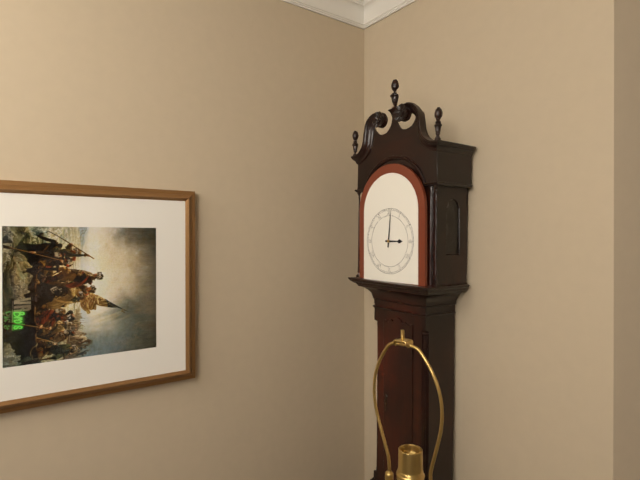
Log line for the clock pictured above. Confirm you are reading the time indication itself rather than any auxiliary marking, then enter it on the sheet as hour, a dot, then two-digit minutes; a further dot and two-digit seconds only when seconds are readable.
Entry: 3.01
